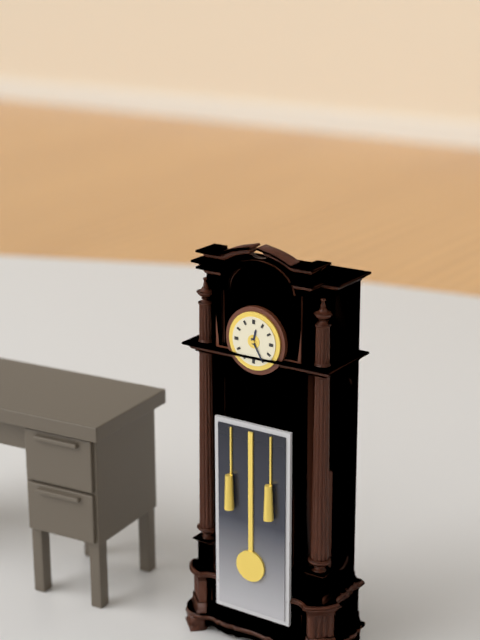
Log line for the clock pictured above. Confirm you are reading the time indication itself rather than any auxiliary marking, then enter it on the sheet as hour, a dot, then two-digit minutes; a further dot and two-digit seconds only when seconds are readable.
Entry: 12.25
